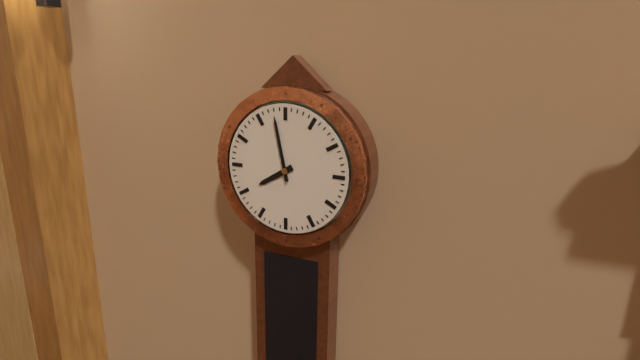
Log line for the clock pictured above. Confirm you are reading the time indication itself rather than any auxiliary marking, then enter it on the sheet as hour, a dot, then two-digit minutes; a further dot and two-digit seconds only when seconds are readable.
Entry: 7.58
